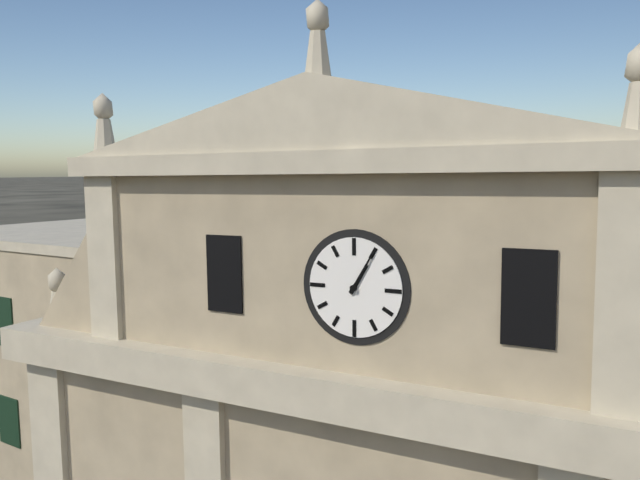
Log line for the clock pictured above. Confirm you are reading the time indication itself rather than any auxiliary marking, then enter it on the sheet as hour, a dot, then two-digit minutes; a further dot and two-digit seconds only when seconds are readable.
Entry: 1.05
